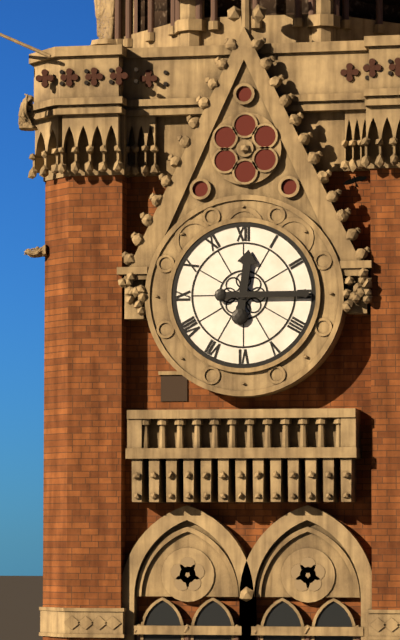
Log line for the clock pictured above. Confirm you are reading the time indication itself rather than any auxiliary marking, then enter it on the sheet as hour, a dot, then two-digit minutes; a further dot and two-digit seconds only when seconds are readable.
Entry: 12.15
